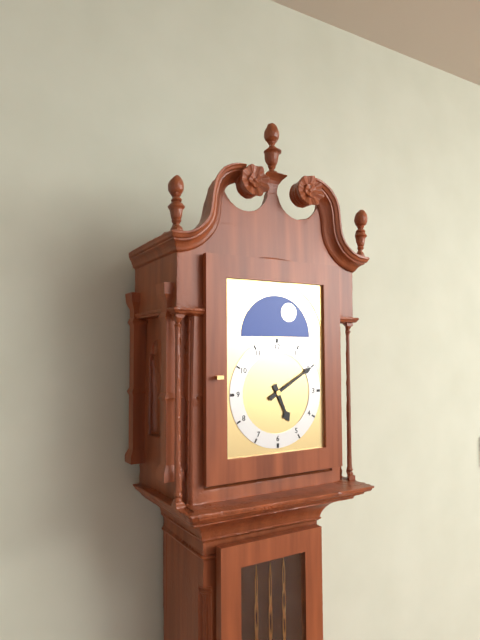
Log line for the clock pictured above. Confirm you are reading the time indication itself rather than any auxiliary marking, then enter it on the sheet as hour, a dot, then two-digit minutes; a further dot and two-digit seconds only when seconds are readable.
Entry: 5.10
